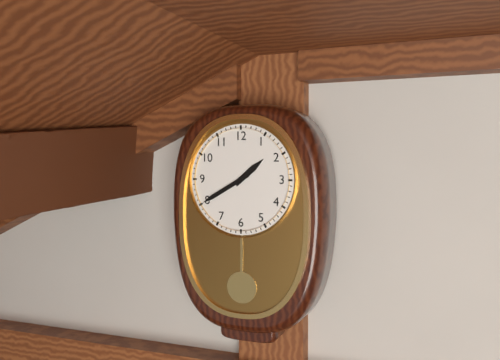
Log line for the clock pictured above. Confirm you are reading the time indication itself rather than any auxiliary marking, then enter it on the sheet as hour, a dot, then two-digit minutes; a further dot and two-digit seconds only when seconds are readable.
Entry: 1.40
